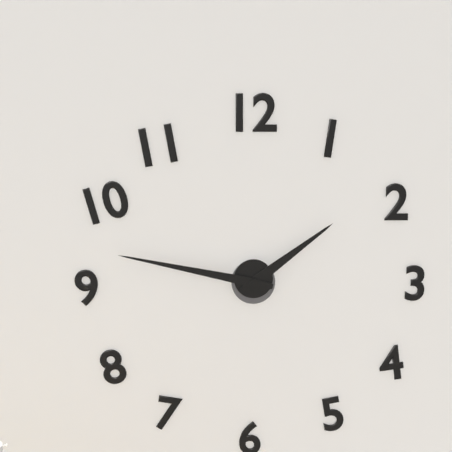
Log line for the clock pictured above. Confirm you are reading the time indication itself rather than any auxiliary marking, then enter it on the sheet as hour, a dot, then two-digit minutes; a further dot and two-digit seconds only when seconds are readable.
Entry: 1.47
